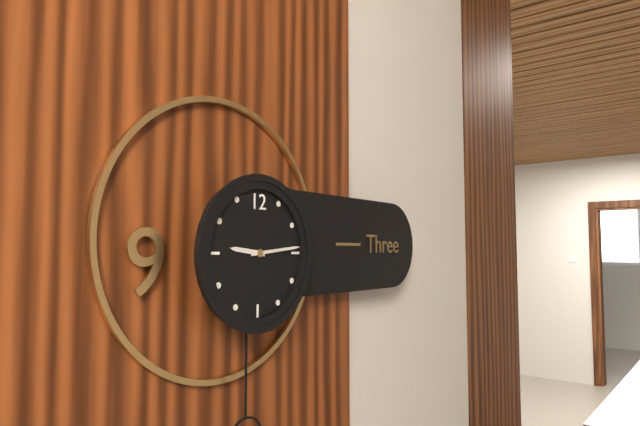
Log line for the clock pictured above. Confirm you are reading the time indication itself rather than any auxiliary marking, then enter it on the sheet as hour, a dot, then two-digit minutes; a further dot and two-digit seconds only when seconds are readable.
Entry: 9.14
